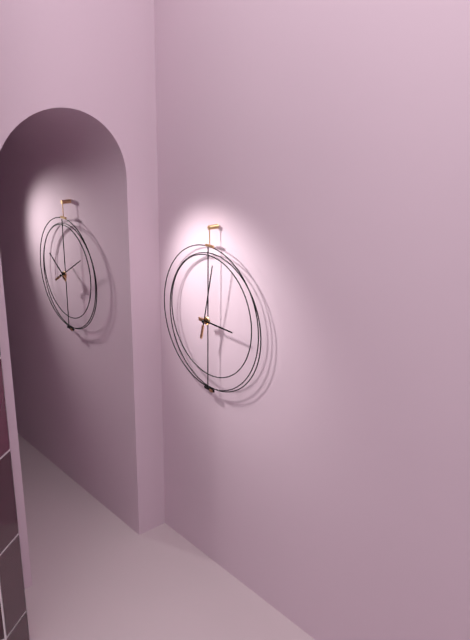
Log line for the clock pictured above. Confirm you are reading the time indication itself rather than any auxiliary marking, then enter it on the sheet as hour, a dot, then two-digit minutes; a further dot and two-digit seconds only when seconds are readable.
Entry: 3.02
